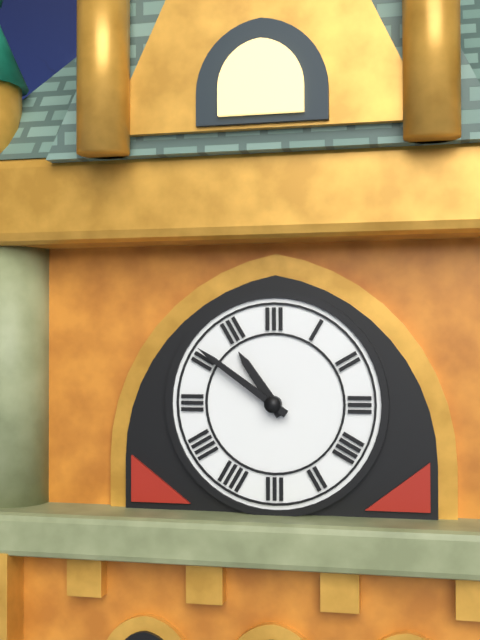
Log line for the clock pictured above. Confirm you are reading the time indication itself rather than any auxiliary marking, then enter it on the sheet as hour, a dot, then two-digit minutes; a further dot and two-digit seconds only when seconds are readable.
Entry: 10.51
